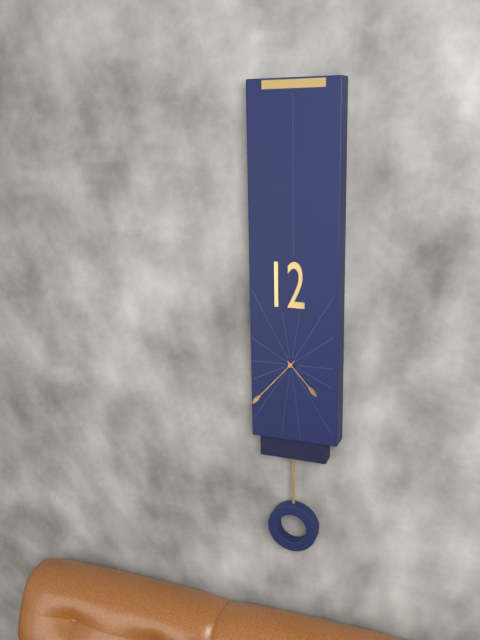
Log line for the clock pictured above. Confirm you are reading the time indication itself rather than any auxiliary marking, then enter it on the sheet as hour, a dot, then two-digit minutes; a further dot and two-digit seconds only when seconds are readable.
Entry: 4.37
